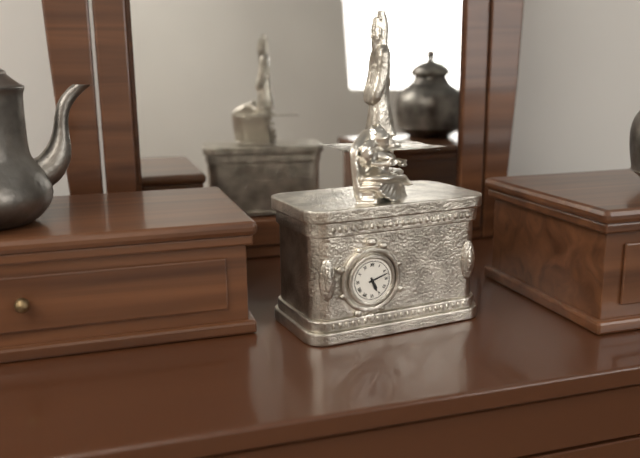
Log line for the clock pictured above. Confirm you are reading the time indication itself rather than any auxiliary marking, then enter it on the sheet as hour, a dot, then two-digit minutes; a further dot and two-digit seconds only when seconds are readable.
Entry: 5.12
